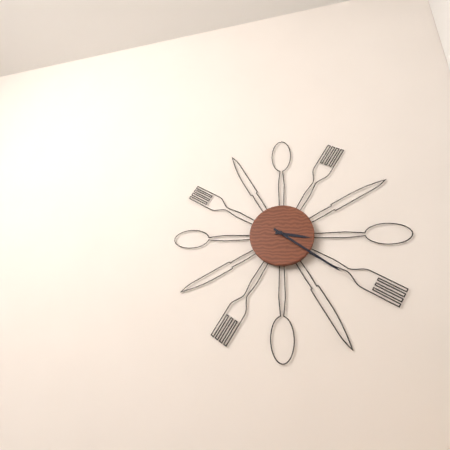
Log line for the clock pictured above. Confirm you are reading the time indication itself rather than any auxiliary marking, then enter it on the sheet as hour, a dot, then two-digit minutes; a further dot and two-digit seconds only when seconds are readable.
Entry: 3.21
